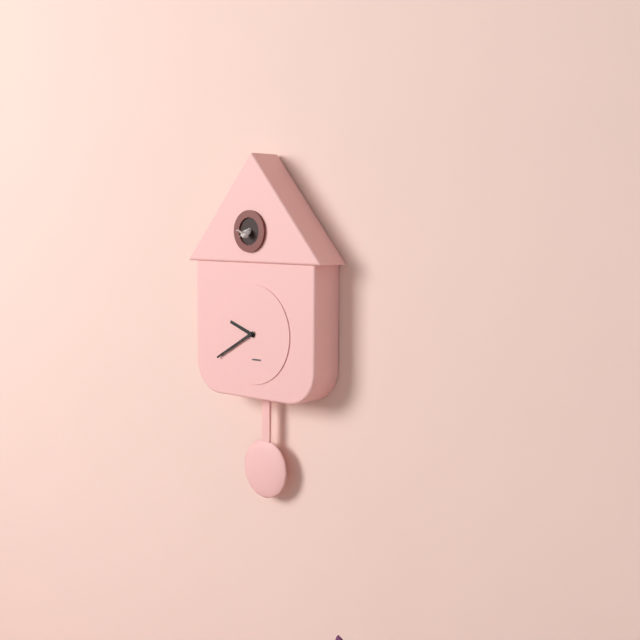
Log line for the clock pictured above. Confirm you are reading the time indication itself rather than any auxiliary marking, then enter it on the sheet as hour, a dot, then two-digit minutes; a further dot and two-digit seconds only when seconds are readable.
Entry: 9.40
